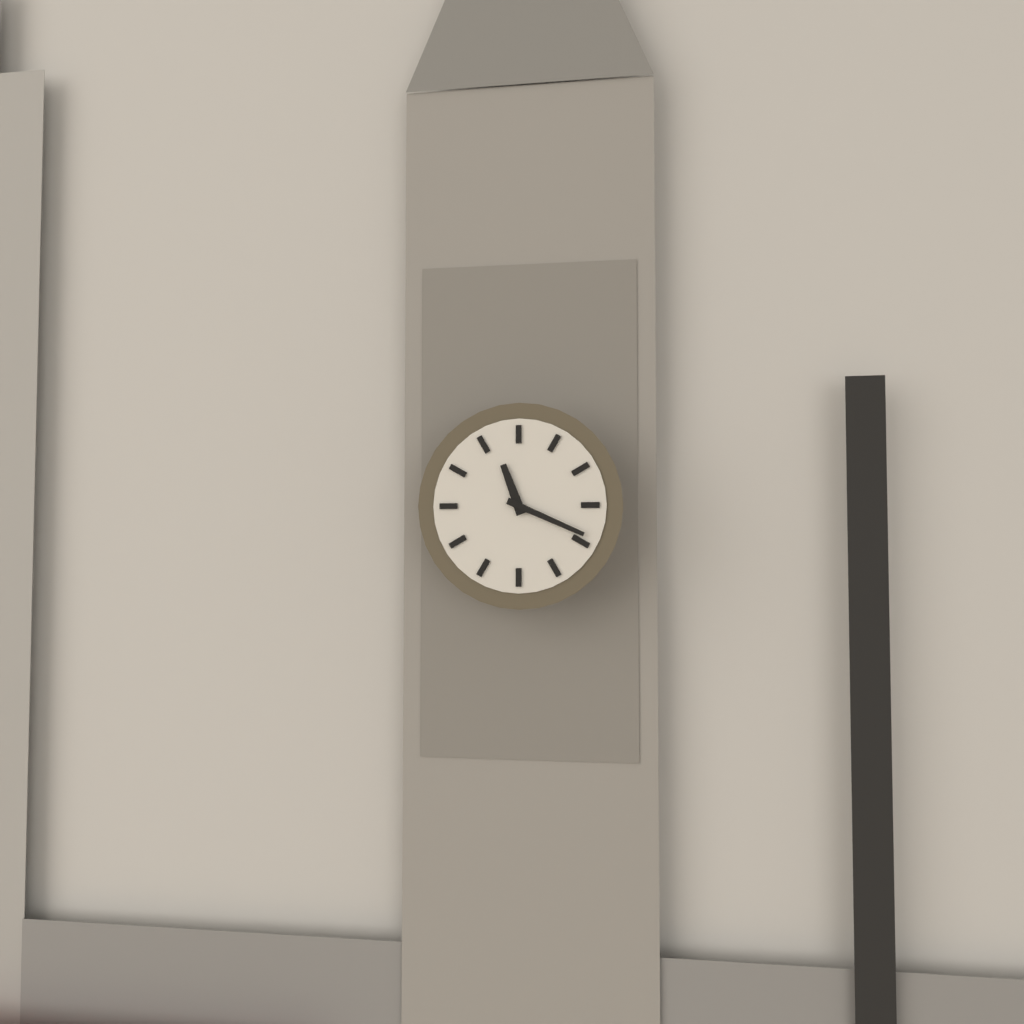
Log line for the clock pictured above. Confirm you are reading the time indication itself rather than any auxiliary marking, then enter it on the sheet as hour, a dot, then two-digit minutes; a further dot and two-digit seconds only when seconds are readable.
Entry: 11.19
